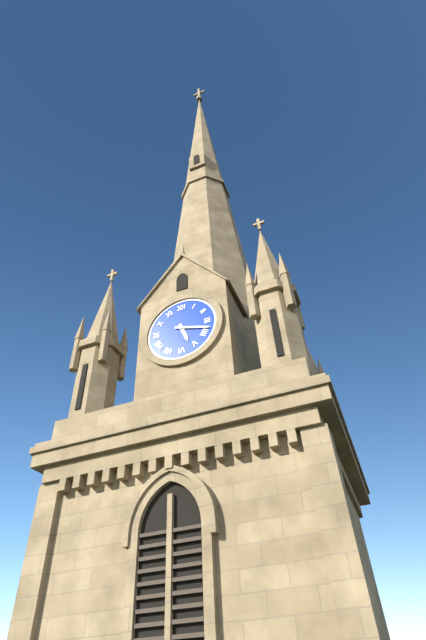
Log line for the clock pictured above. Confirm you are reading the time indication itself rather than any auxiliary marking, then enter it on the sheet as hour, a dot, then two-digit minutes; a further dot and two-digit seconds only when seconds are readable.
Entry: 5.18
